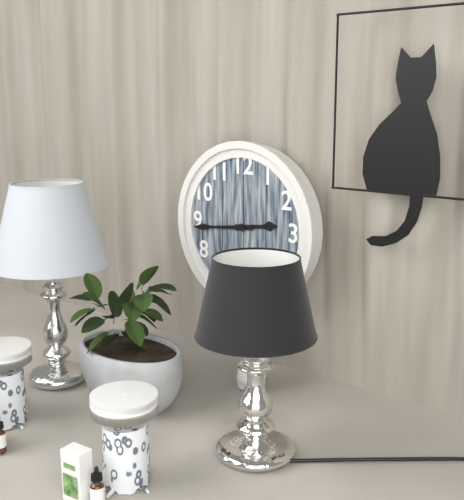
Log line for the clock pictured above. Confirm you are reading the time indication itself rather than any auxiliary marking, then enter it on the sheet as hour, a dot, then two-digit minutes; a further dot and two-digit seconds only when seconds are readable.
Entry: 2.44
